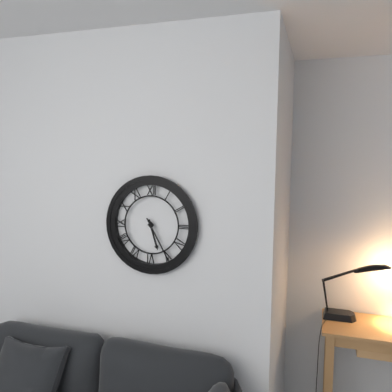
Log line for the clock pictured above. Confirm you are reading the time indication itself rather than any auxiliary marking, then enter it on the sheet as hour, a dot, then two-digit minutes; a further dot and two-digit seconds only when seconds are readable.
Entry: 5.25
